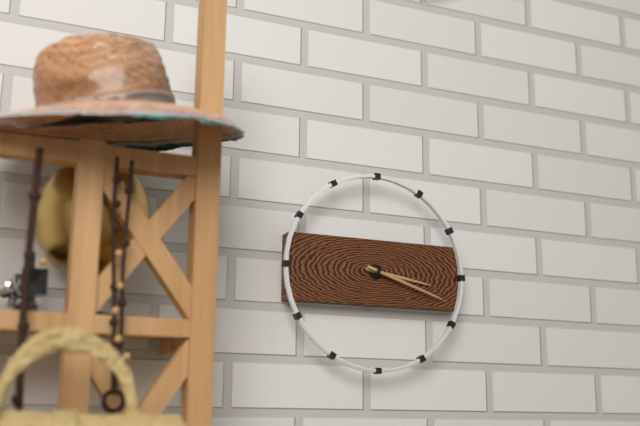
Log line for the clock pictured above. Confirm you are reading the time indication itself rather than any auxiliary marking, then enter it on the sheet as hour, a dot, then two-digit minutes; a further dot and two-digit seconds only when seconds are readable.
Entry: 3.18
